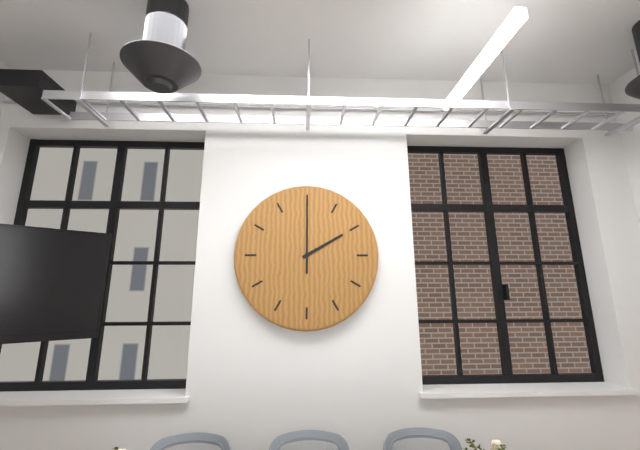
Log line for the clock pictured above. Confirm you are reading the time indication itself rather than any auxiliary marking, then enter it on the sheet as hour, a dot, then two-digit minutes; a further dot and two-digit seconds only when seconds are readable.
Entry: 2.00
